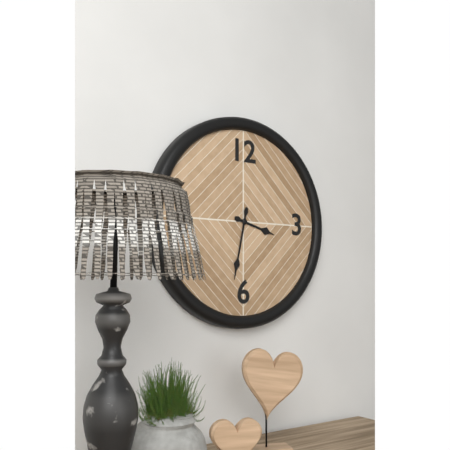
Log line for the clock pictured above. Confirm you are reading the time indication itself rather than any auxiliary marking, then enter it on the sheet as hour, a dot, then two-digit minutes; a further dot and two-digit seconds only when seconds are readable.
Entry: 3.32
